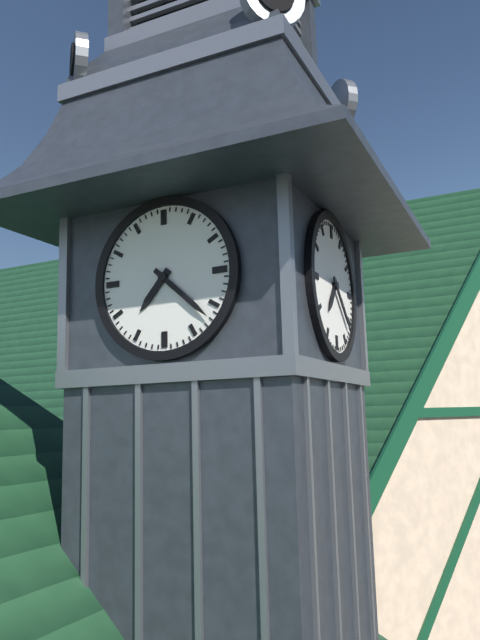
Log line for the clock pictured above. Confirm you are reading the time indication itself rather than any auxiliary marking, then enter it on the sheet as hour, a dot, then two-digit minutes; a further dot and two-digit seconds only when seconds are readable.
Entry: 7.22
